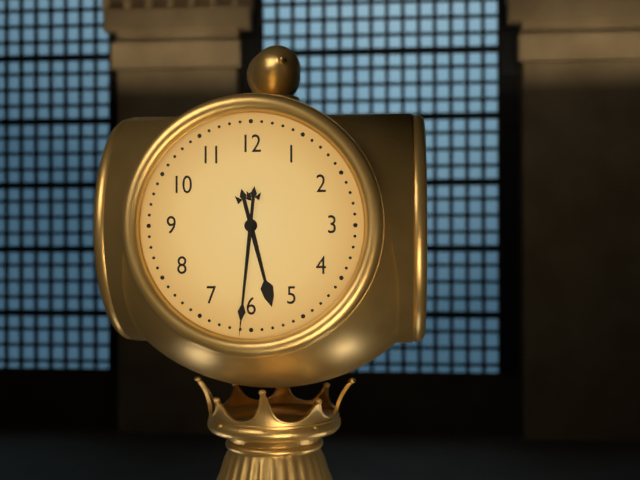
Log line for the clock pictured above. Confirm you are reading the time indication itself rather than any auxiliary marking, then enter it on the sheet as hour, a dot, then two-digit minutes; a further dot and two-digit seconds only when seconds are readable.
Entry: 5.31
